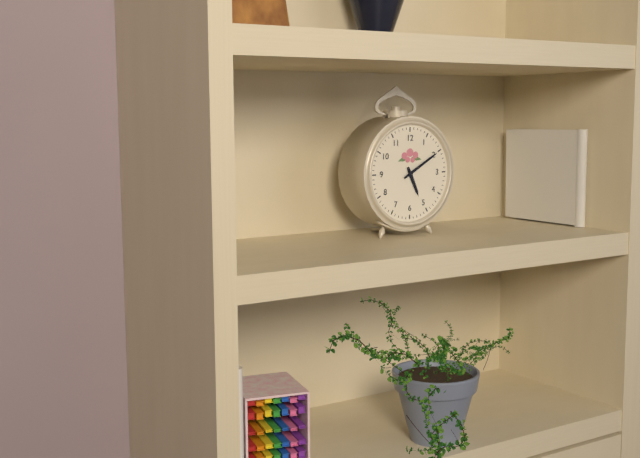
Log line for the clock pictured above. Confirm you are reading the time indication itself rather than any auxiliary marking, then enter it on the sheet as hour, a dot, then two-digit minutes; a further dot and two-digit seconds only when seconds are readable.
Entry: 5.10
